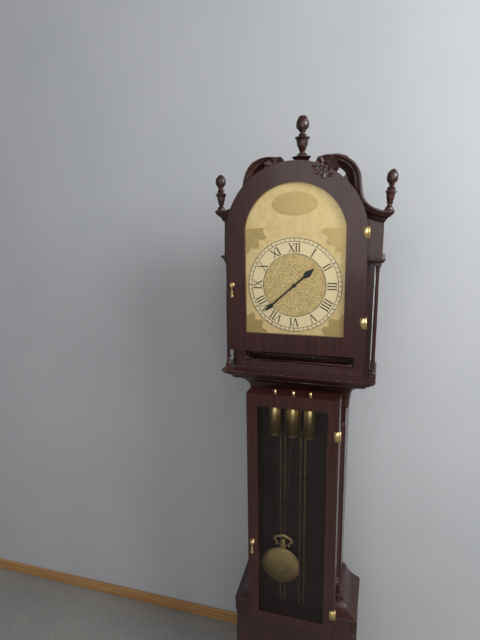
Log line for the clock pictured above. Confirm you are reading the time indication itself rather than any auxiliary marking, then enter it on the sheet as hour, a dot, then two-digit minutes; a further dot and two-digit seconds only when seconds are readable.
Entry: 1.38
